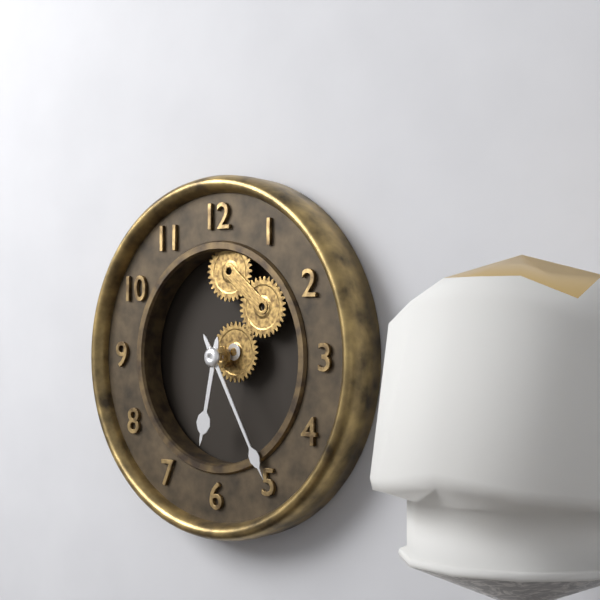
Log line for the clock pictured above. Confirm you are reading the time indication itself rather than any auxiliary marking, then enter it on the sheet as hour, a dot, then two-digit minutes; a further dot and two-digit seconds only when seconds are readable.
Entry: 6.25
